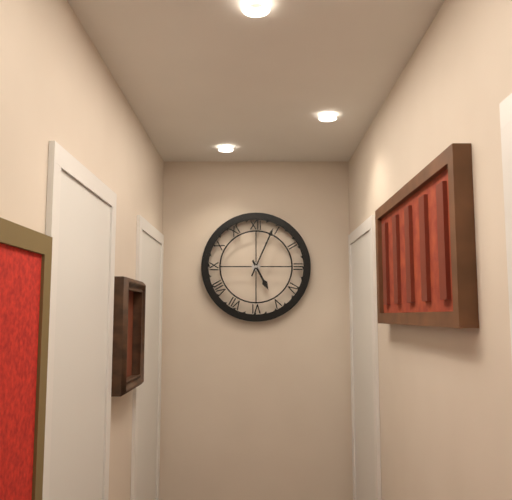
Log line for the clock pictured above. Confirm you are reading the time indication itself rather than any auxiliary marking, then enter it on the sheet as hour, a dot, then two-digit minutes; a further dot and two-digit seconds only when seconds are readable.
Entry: 5.04
